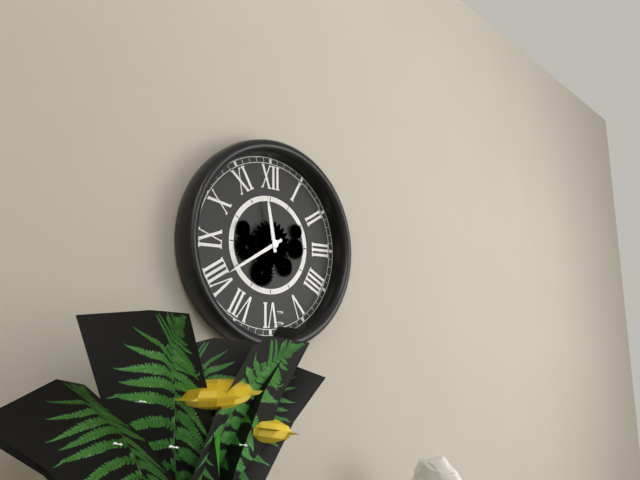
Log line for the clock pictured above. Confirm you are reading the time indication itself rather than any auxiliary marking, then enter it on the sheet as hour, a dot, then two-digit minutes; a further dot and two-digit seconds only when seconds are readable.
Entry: 11.40
